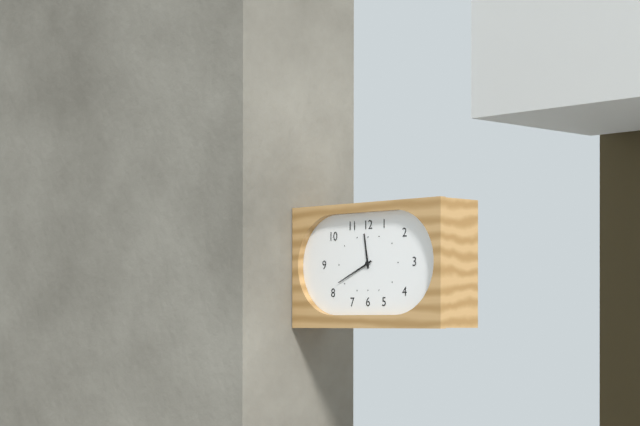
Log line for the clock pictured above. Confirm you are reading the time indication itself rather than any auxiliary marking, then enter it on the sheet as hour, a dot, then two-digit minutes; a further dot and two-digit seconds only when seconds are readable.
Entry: 11.41
